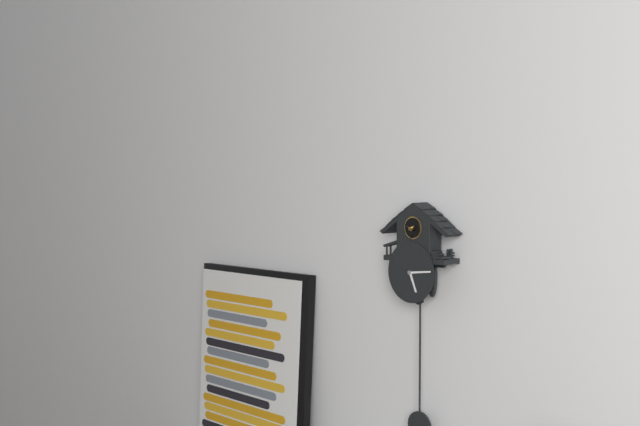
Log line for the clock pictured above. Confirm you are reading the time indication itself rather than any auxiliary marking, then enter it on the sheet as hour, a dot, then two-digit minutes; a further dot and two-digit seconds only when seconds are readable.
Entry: 5.14
